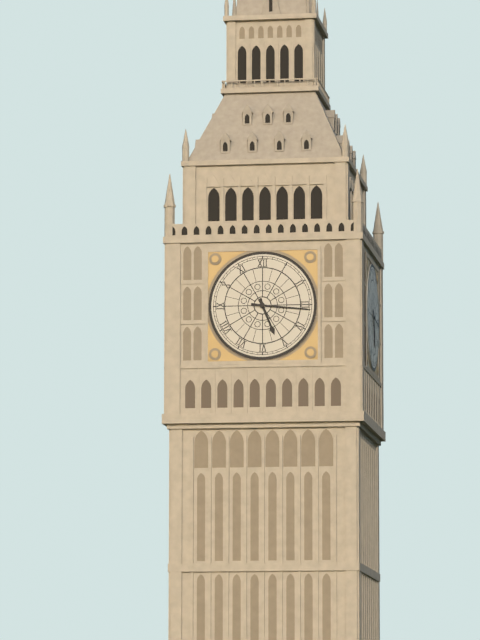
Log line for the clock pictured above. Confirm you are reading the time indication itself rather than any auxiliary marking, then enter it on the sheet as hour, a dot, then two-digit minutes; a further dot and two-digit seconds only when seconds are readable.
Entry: 5.16
